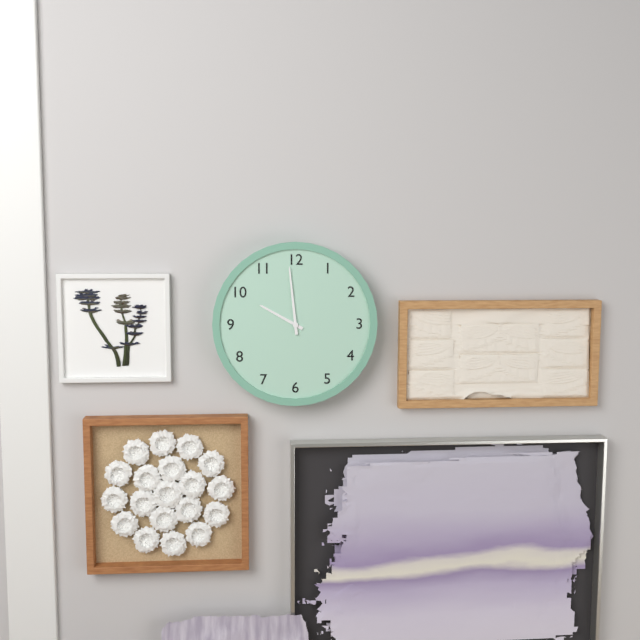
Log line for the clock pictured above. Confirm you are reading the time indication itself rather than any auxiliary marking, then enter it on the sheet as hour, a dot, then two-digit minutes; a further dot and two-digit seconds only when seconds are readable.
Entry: 9.59
